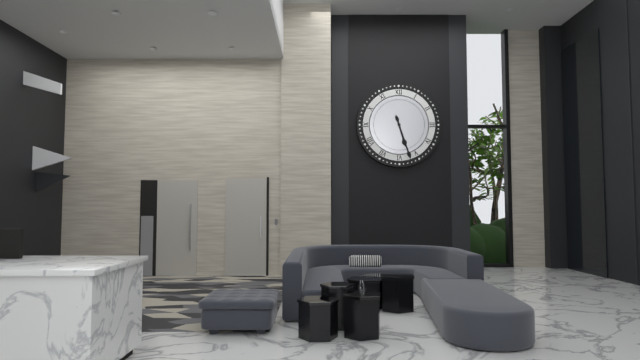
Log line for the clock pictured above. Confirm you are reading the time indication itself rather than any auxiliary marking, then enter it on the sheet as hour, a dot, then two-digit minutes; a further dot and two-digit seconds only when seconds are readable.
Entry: 5.27
